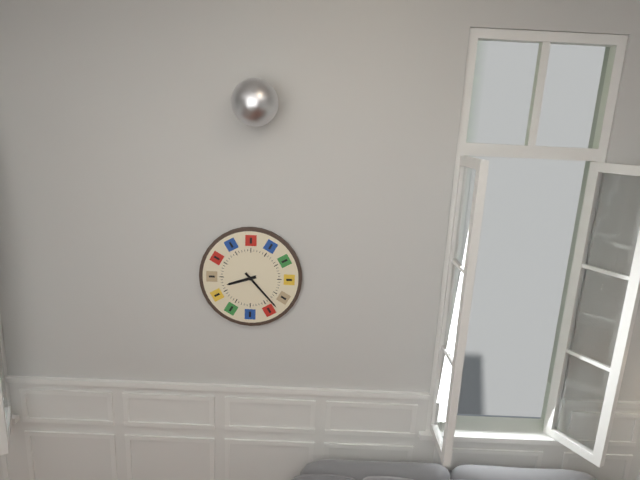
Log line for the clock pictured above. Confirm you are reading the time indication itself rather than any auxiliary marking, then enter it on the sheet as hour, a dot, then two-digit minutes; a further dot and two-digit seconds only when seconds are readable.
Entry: 8.23
